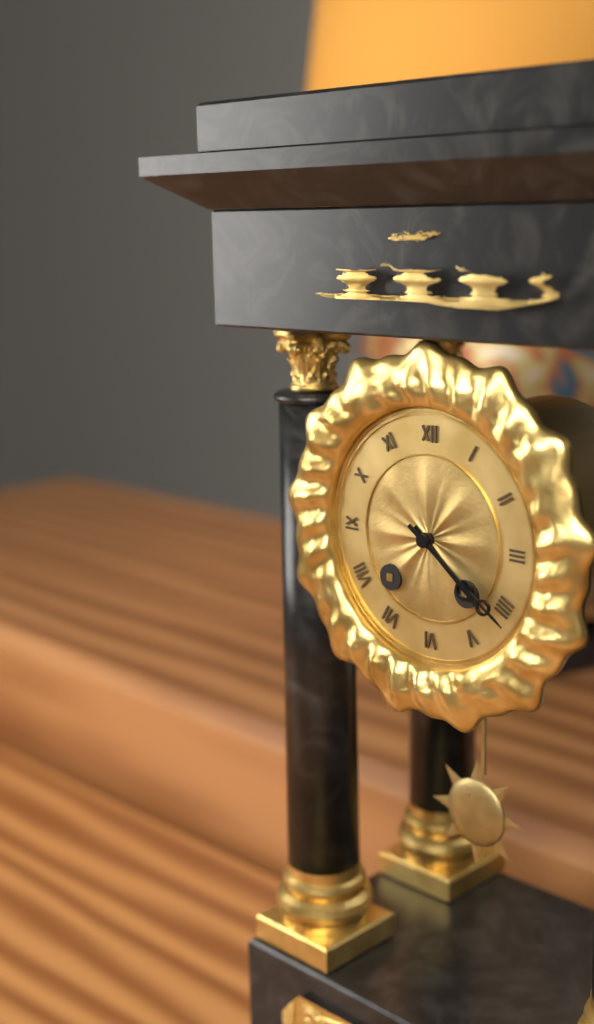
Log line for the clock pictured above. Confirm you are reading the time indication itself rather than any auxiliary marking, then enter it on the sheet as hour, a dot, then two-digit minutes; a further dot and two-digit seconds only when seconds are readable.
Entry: 4.21
